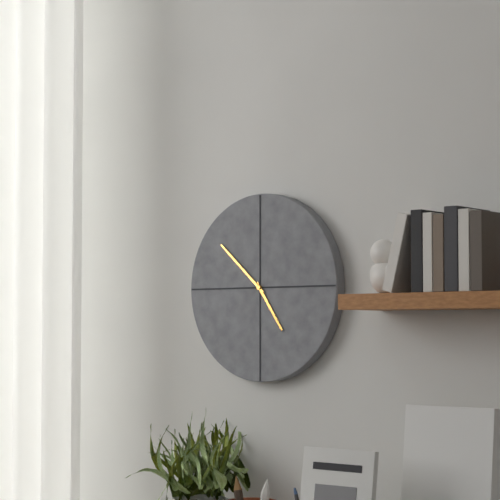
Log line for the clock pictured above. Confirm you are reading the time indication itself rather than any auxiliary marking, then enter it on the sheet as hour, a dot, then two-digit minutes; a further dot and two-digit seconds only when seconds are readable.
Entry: 4.52
